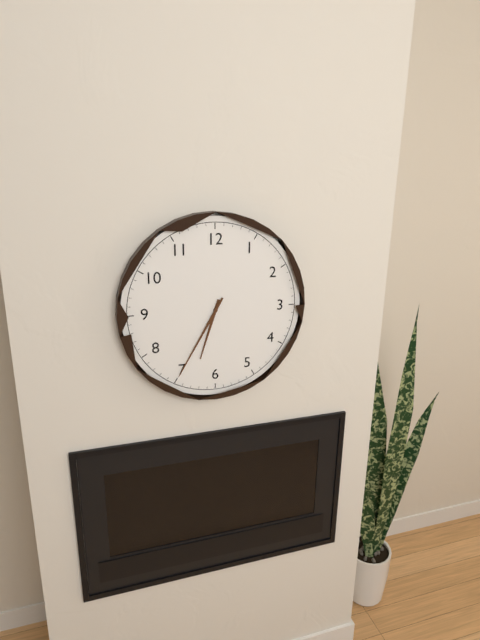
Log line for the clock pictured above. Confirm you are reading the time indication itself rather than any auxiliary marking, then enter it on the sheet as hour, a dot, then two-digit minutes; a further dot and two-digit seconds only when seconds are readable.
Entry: 6.35
